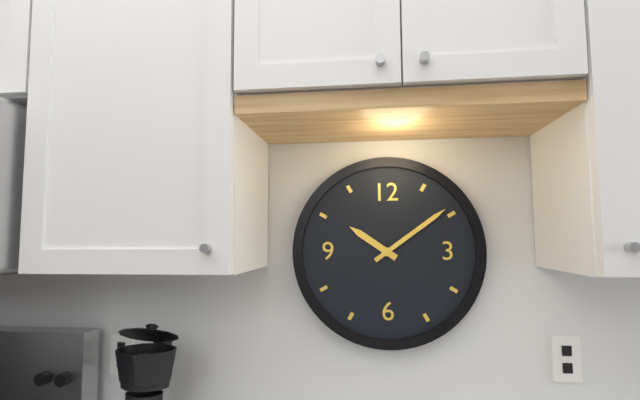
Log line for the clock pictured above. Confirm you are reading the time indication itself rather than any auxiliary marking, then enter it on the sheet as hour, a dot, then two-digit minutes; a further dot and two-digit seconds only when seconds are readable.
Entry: 10.09
